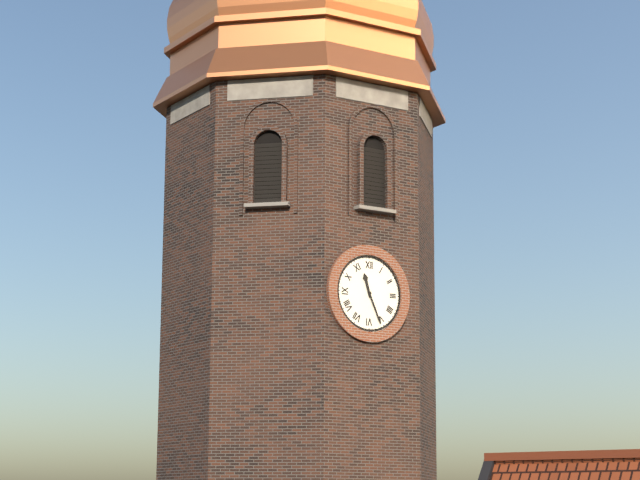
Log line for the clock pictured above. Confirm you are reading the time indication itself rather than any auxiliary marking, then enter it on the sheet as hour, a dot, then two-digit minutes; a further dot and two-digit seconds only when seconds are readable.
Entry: 11.26
